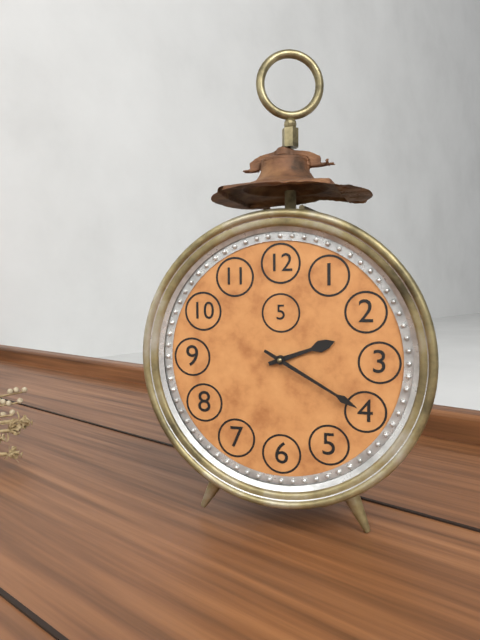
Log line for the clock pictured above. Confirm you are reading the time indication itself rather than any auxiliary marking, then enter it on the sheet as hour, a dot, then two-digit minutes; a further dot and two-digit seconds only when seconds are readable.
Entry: 2.20
